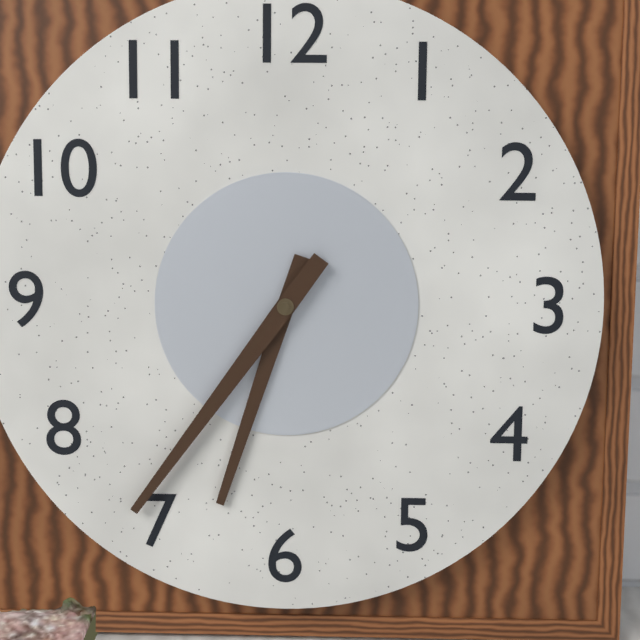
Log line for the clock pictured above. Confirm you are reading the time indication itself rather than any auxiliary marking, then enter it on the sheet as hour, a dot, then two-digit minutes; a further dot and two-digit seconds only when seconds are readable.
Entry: 6.36
